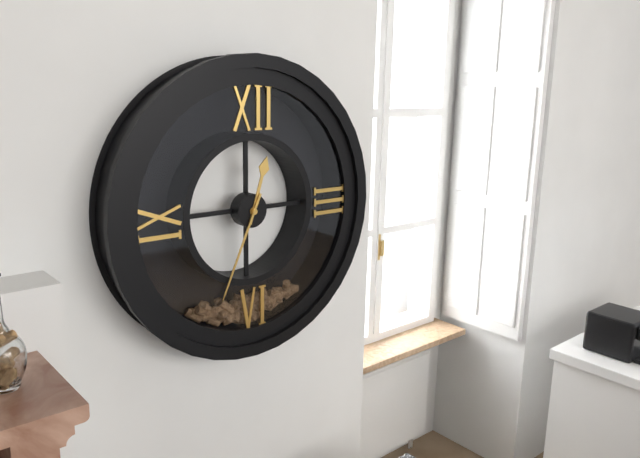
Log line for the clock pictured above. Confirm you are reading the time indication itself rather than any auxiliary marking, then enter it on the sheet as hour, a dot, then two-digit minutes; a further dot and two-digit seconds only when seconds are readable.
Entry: 12.34
